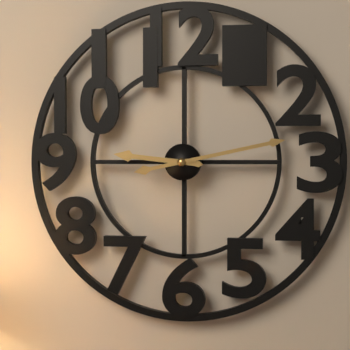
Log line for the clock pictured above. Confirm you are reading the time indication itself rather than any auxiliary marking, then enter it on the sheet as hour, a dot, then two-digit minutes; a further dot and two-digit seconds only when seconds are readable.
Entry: 9.13
